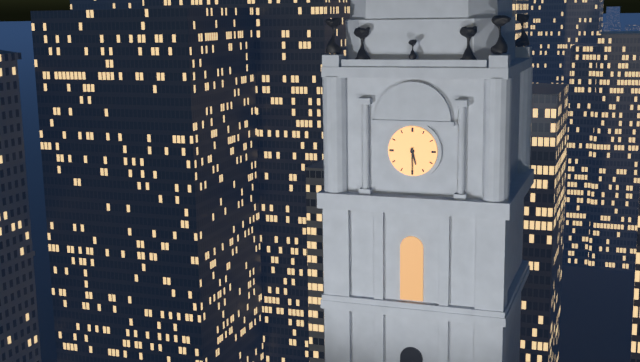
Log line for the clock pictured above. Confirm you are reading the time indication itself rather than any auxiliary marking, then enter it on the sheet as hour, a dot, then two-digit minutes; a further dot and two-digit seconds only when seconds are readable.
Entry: 5.30
